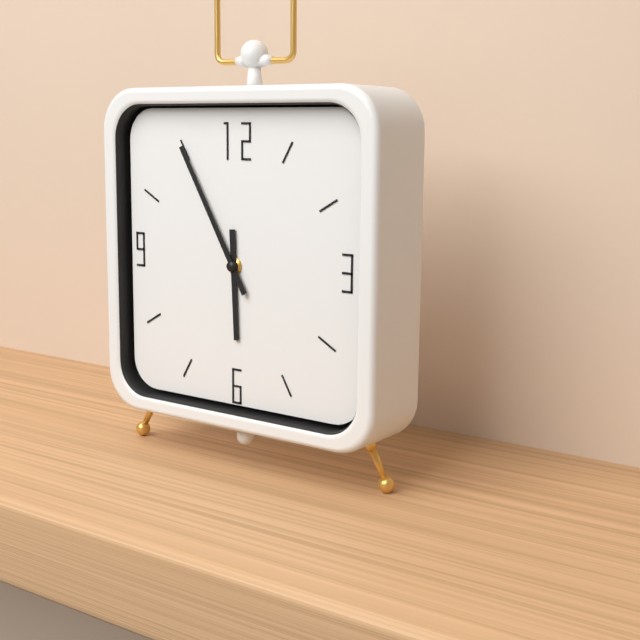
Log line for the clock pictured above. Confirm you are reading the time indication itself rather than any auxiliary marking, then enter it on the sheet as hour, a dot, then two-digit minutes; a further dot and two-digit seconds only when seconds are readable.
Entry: 5.55
